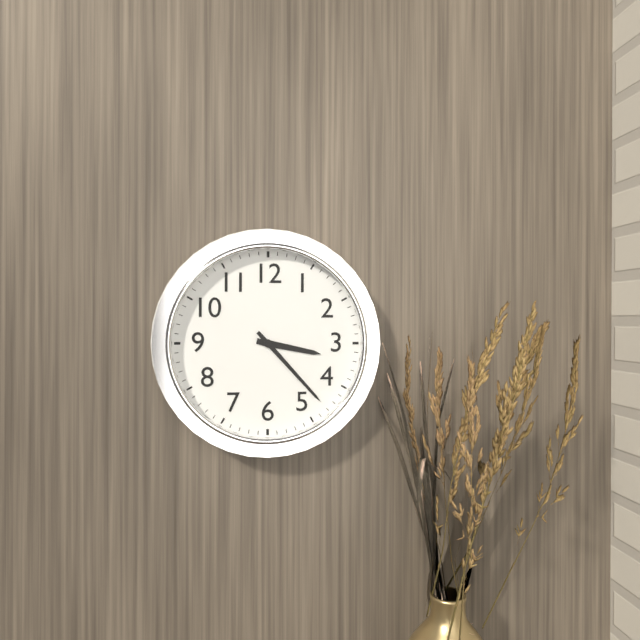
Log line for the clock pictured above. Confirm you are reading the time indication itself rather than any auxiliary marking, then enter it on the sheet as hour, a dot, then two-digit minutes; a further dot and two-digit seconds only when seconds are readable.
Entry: 3.23
